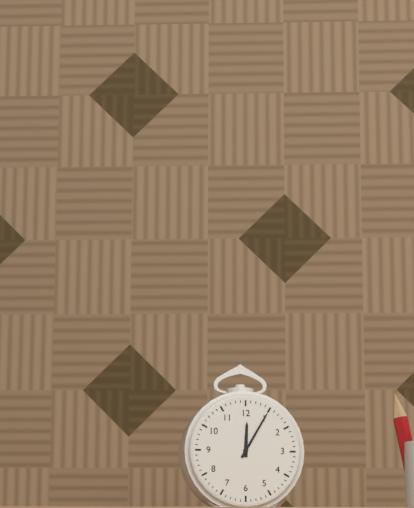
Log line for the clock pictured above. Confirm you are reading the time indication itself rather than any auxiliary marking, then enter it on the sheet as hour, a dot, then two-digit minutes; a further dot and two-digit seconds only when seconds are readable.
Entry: 12.05
